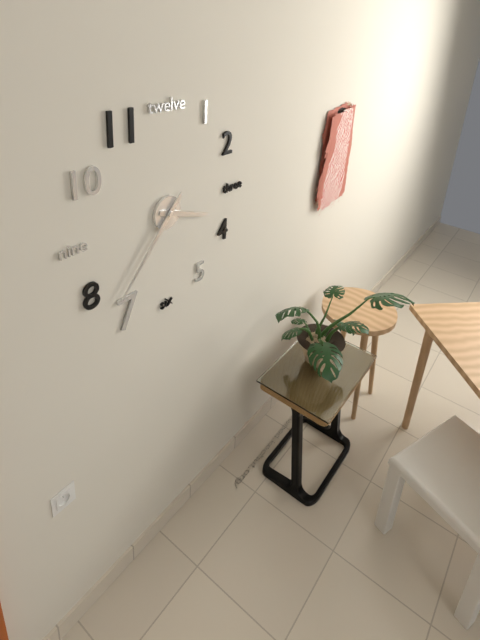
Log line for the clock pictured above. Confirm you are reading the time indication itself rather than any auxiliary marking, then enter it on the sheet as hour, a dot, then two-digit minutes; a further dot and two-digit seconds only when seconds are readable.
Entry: 3.37
